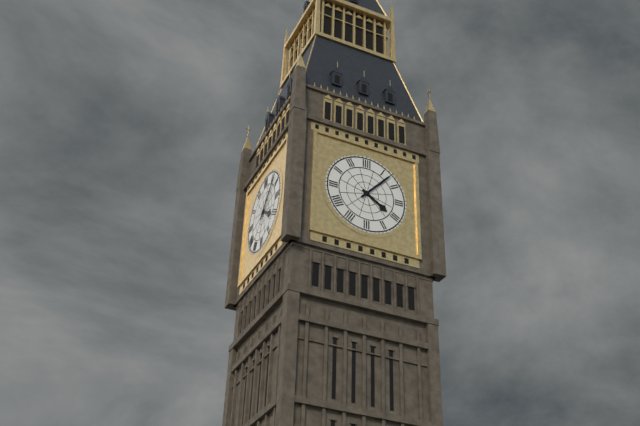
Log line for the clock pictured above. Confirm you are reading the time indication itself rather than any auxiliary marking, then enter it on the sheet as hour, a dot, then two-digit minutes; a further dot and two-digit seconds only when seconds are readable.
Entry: 4.07
